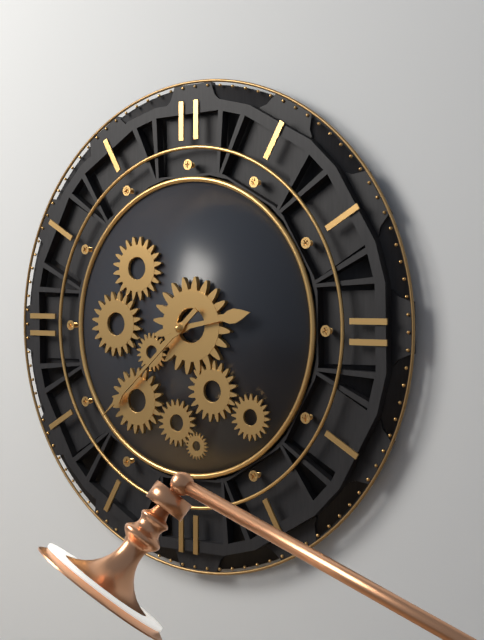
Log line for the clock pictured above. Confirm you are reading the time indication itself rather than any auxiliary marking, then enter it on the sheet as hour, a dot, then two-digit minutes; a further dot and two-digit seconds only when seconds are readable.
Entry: 2.38
